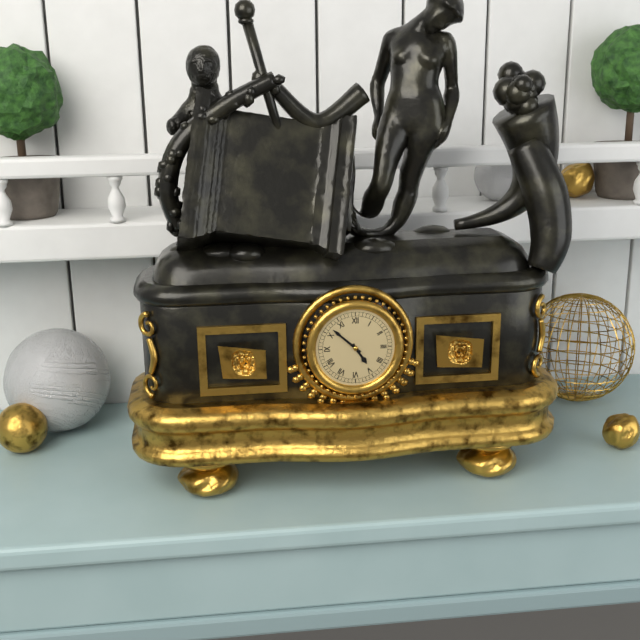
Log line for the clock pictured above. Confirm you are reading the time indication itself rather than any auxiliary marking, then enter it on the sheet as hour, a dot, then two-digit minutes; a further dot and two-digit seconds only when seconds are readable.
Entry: 4.52
